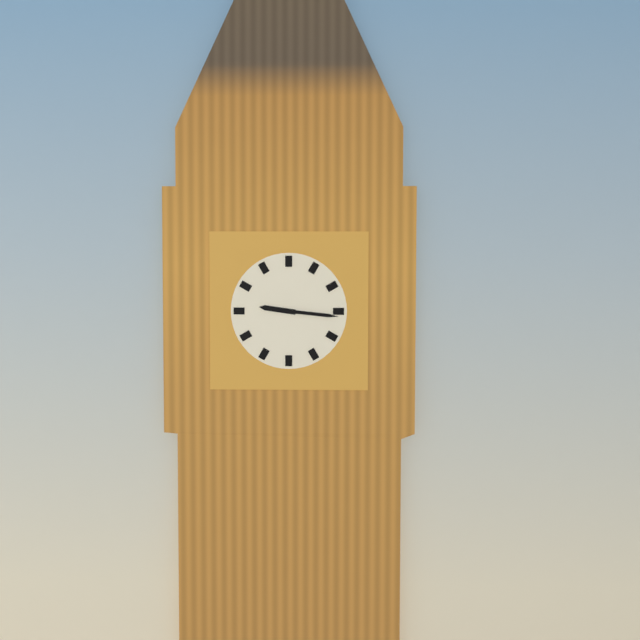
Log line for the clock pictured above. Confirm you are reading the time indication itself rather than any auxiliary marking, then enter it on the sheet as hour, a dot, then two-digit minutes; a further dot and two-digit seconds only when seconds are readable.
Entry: 9.16
